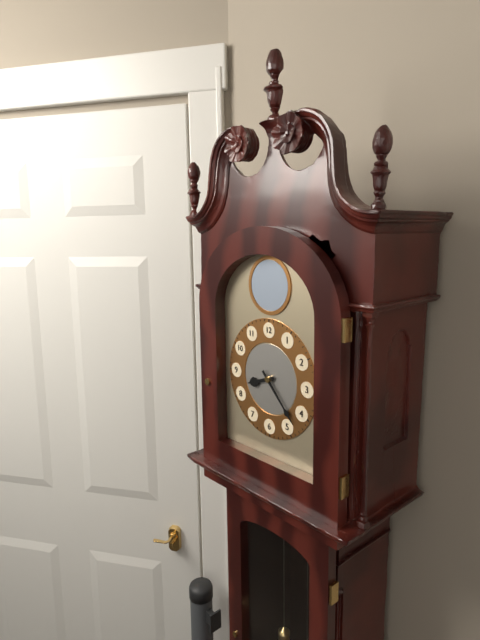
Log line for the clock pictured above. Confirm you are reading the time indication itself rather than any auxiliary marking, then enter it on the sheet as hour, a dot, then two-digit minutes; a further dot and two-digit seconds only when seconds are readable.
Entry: 8.23
